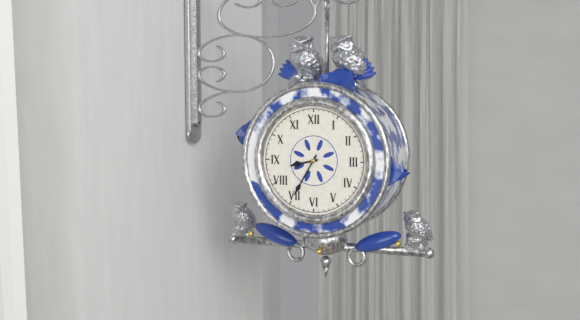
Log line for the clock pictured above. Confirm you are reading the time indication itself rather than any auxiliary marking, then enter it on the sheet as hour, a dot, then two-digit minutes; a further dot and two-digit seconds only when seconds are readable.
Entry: 8.35
